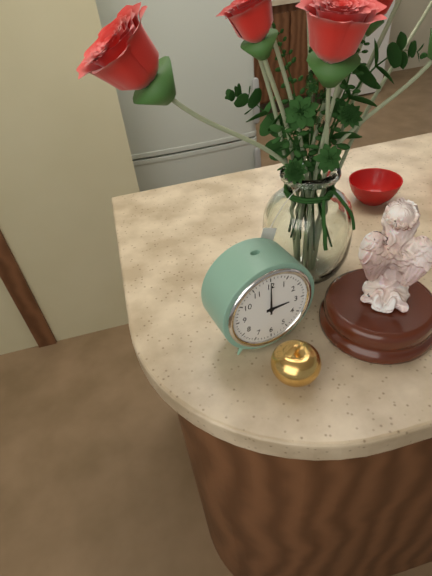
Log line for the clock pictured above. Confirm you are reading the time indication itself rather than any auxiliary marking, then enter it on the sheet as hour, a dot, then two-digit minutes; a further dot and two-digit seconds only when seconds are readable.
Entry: 3.00
